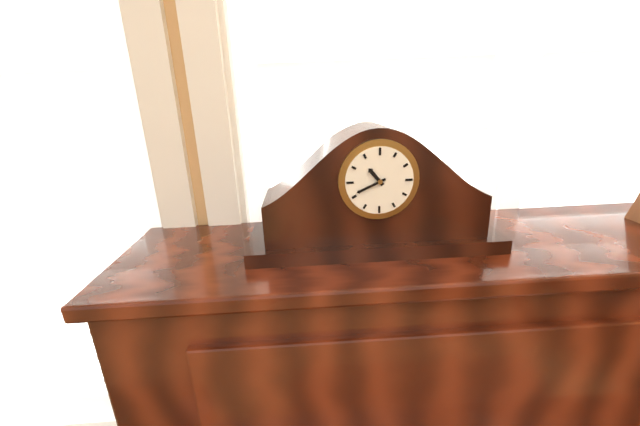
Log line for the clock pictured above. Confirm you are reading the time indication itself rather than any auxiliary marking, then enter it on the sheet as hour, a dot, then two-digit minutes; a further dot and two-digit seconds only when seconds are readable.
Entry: 10.41
